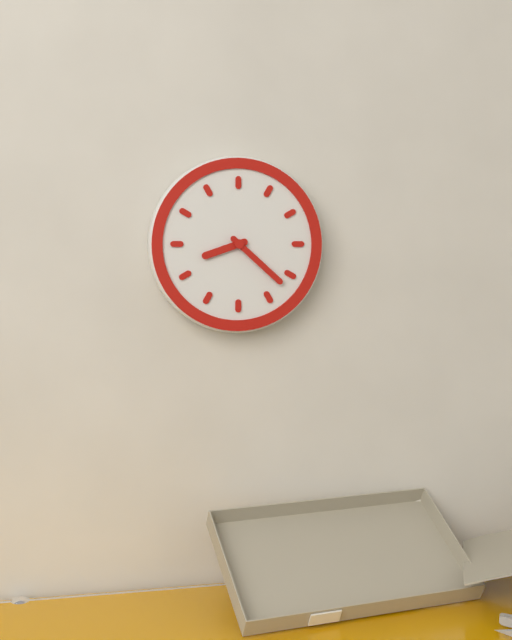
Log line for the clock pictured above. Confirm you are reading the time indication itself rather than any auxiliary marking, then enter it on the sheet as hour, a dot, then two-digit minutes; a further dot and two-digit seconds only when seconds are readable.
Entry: 8.22
